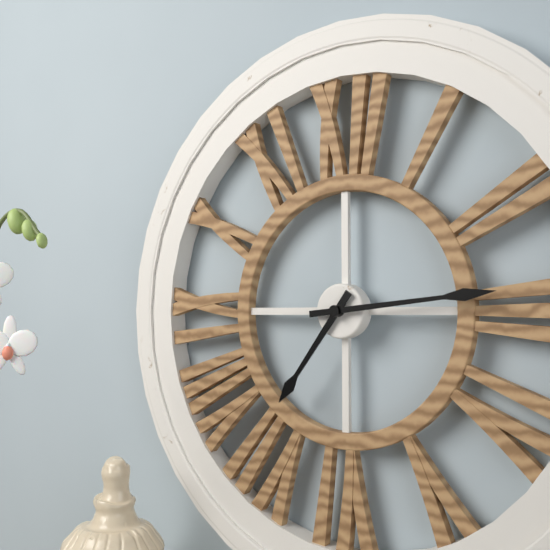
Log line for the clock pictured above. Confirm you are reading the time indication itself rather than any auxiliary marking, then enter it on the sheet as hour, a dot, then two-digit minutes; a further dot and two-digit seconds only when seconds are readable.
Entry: 7.14
